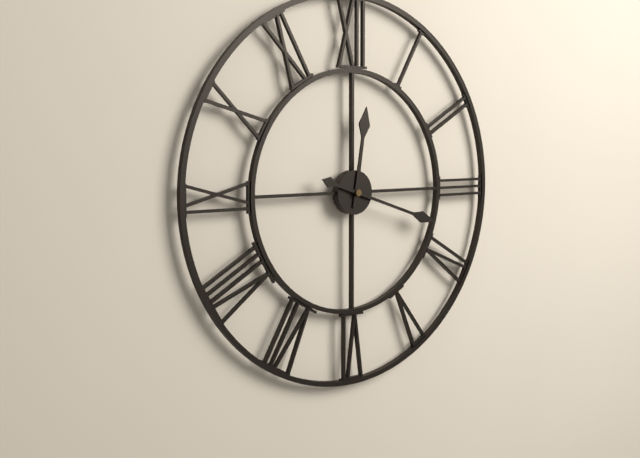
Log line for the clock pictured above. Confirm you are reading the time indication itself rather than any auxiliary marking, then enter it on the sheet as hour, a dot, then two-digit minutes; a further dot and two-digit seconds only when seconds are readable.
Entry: 12.18
